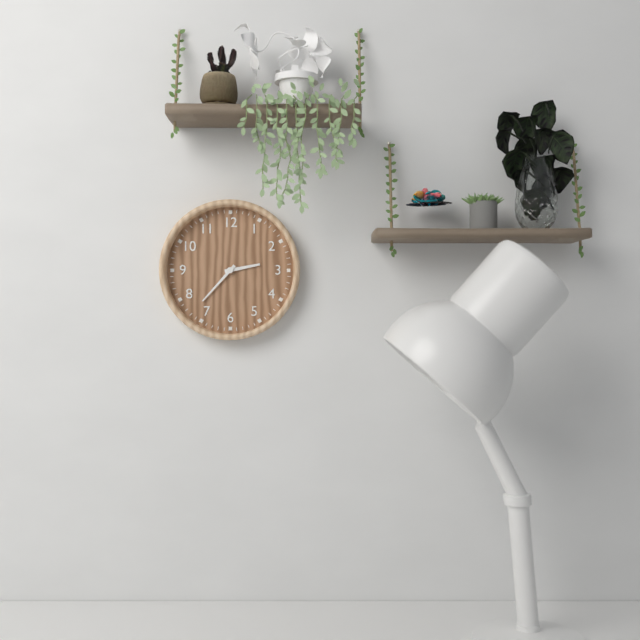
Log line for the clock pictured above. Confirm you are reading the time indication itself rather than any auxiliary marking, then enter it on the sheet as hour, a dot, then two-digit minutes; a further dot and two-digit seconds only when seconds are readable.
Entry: 2.37
